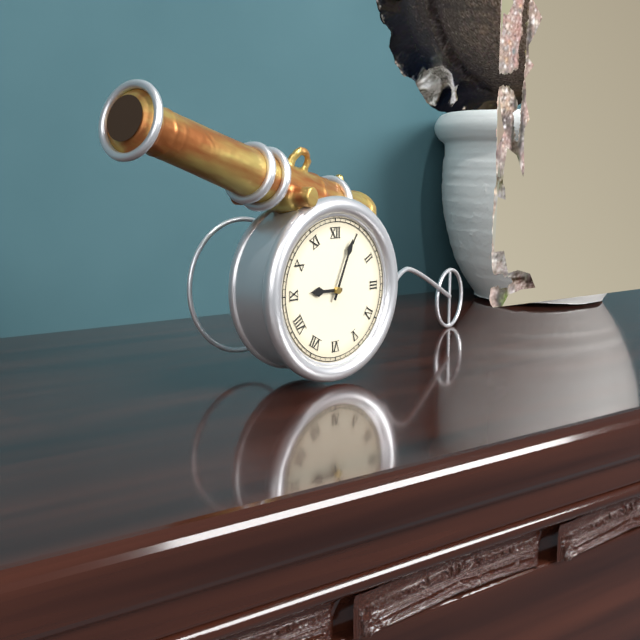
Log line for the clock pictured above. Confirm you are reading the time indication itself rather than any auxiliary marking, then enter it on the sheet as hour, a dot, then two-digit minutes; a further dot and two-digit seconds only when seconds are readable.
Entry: 9.04
